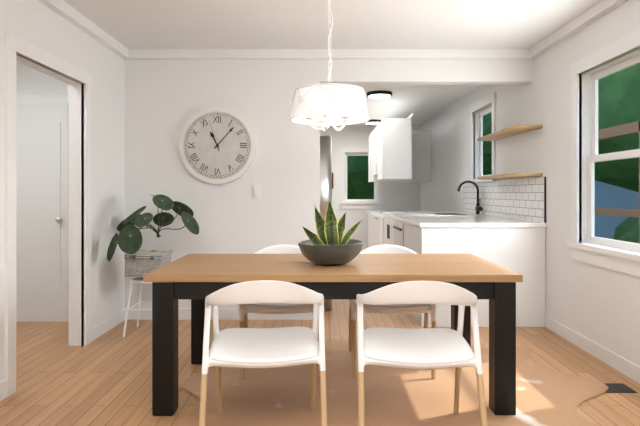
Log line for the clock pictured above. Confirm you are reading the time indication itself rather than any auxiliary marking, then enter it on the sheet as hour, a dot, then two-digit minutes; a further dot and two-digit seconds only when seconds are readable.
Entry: 11.07
